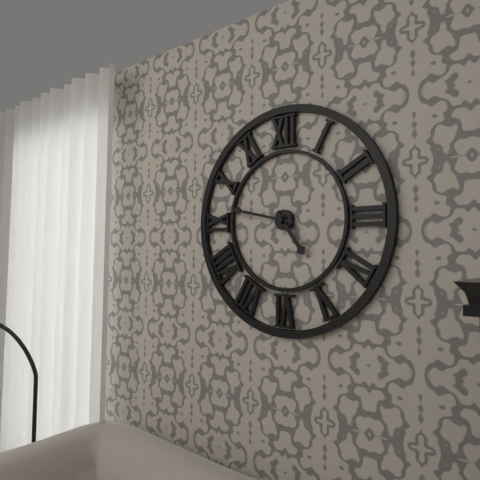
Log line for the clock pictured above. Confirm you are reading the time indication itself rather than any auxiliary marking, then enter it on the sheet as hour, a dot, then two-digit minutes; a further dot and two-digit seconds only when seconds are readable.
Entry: 4.47
